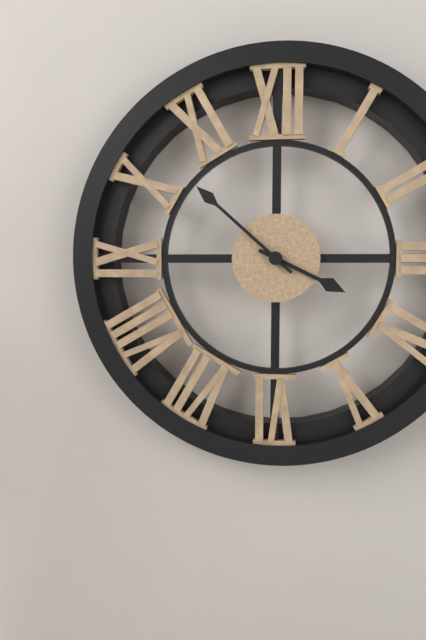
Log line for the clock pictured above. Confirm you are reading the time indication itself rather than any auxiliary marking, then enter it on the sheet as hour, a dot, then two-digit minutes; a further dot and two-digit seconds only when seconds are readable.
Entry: 3.52
